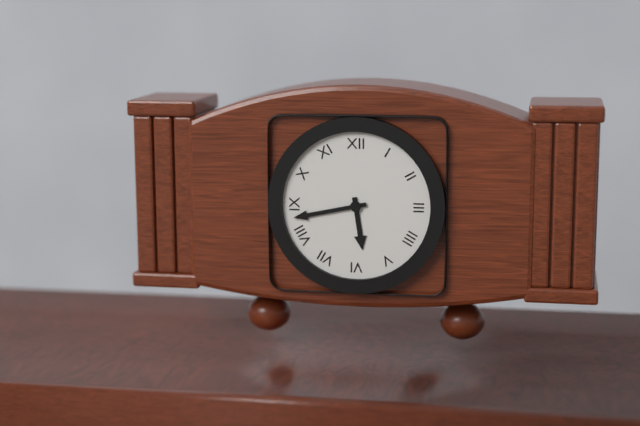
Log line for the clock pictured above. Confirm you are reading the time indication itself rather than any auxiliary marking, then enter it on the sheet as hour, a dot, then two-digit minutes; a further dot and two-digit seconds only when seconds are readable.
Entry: 5.43
